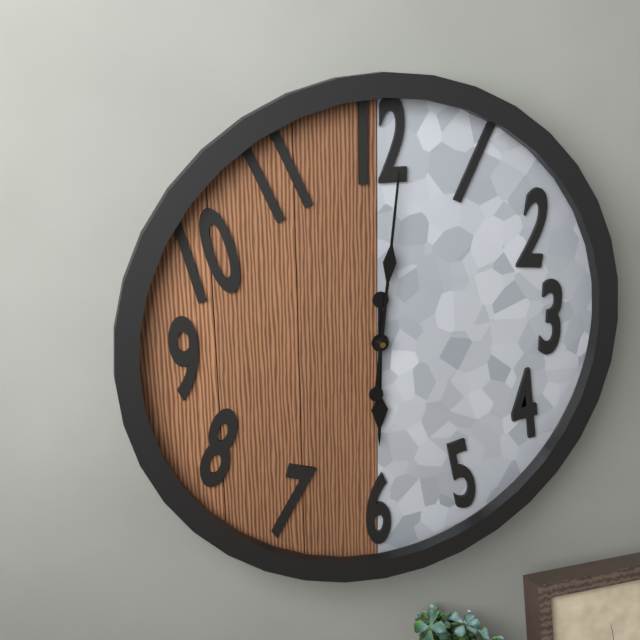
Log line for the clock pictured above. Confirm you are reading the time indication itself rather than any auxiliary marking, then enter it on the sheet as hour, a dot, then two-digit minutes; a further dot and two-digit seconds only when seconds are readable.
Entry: 6.01
